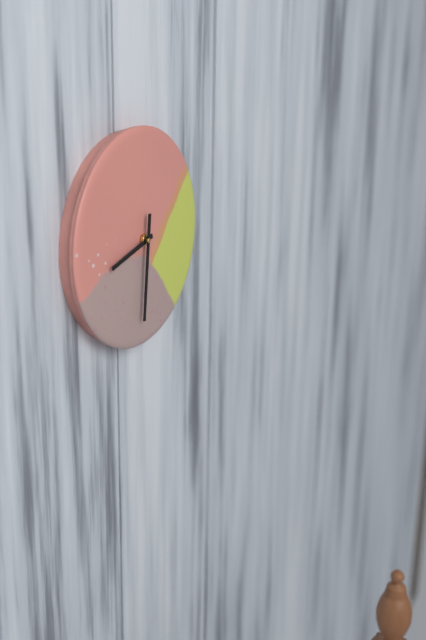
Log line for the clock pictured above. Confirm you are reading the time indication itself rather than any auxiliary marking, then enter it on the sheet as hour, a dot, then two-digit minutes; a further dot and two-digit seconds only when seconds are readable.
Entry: 8.31
